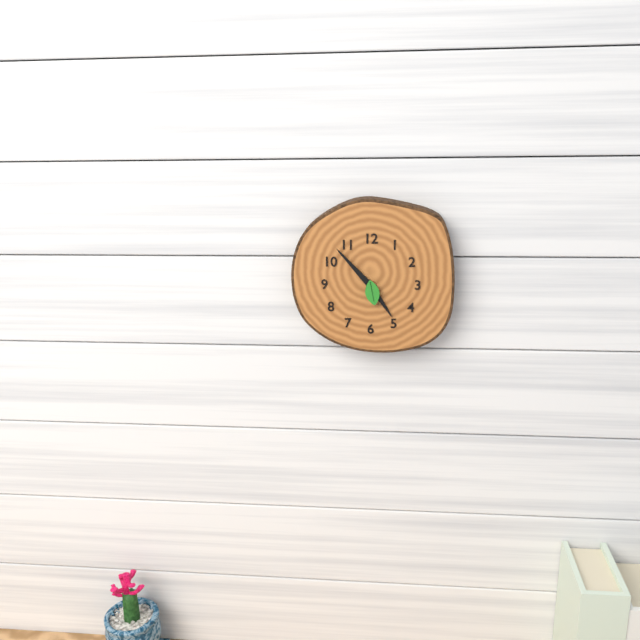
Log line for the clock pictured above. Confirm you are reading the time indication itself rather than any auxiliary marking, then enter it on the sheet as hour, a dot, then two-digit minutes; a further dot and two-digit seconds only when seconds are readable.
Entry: 4.53
